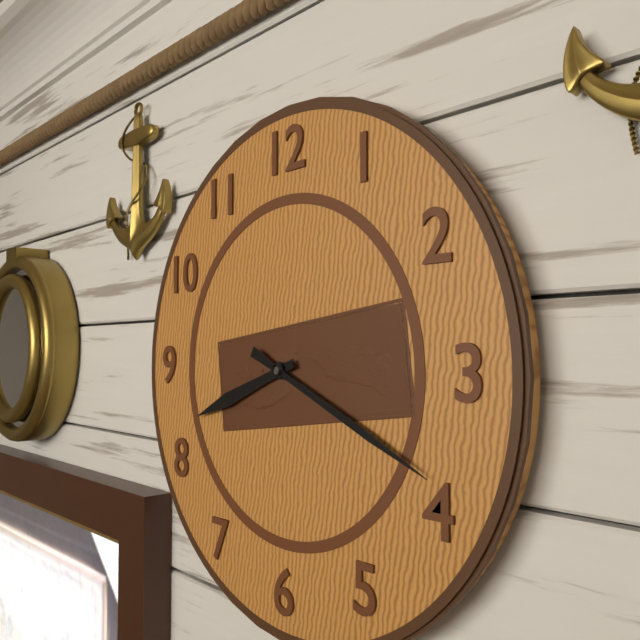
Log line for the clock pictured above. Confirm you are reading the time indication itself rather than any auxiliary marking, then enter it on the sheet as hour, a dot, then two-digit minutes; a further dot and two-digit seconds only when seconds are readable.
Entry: 8.19
